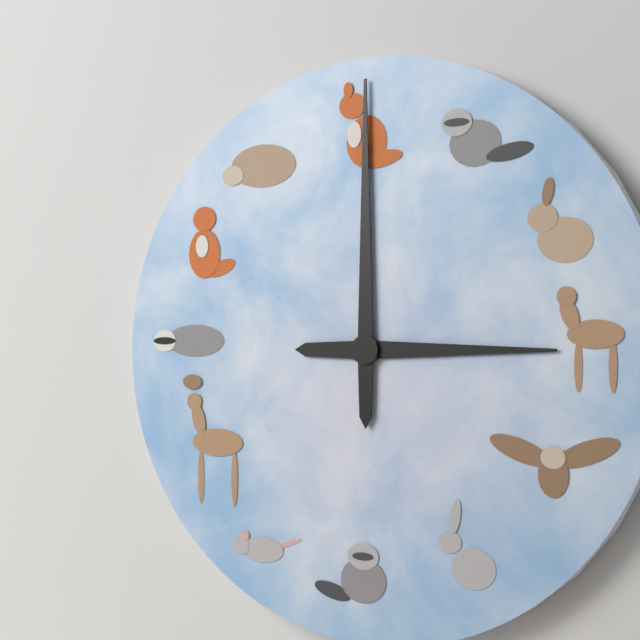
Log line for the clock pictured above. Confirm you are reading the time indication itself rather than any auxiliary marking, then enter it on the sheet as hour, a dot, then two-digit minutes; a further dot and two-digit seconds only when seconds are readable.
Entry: 3.00
